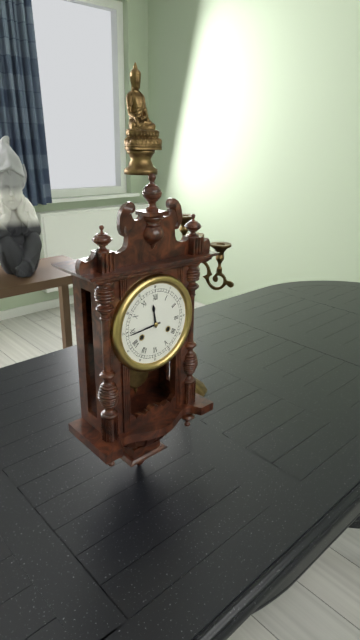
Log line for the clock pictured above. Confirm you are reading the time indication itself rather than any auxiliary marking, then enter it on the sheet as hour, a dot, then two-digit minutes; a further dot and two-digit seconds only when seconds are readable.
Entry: 11.44
